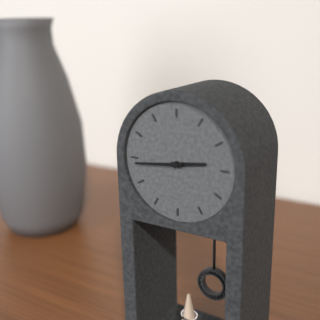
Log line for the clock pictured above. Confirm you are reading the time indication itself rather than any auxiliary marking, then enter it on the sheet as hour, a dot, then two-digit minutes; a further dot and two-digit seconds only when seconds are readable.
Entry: 2.44
